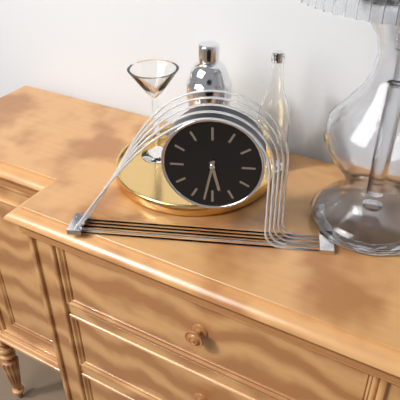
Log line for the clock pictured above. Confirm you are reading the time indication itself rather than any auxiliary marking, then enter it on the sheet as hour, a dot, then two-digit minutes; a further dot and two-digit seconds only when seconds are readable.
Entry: 5.32
